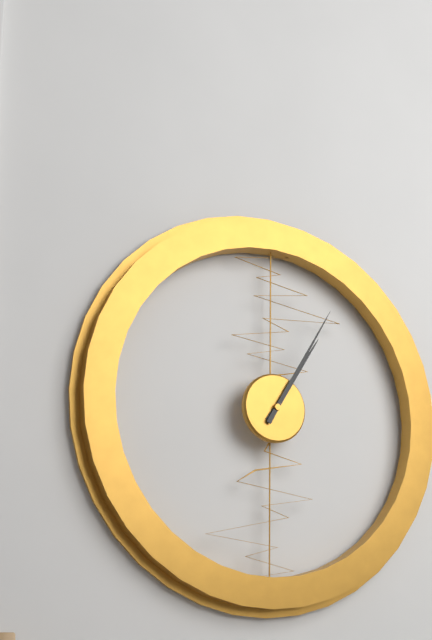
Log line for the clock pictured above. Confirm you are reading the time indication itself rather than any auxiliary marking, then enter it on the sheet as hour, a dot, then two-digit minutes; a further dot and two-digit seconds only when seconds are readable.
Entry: 1.05
